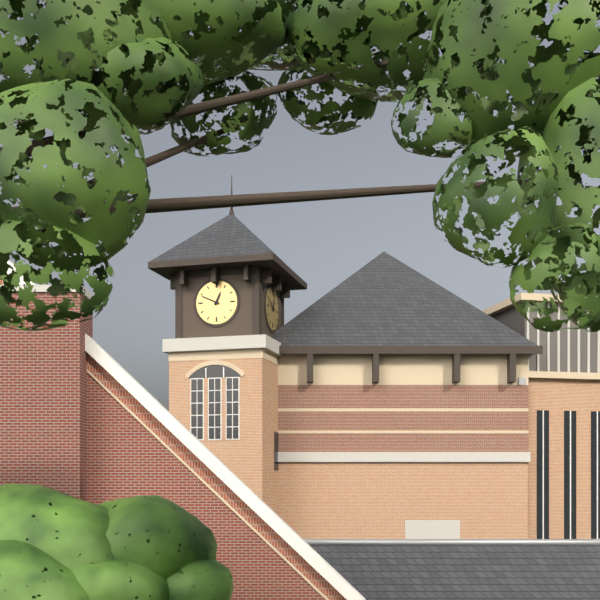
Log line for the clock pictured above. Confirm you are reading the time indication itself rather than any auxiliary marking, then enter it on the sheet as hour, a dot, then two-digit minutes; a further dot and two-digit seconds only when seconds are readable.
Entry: 12.49
